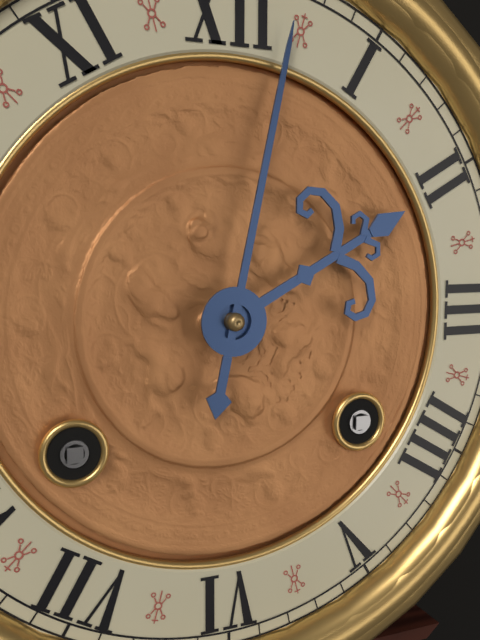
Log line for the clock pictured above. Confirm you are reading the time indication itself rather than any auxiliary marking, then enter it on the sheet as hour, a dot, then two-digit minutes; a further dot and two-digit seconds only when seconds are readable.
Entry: 2.02
